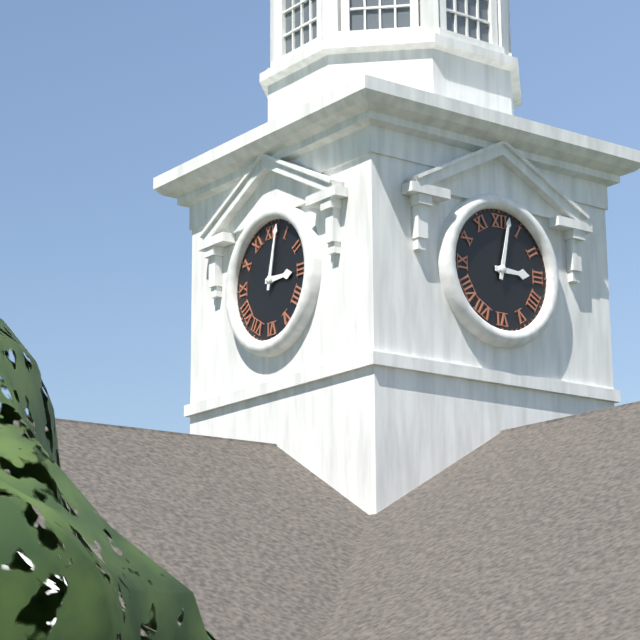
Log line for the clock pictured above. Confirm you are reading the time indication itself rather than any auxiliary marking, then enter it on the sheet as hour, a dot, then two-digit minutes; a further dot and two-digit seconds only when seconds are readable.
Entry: 3.02
